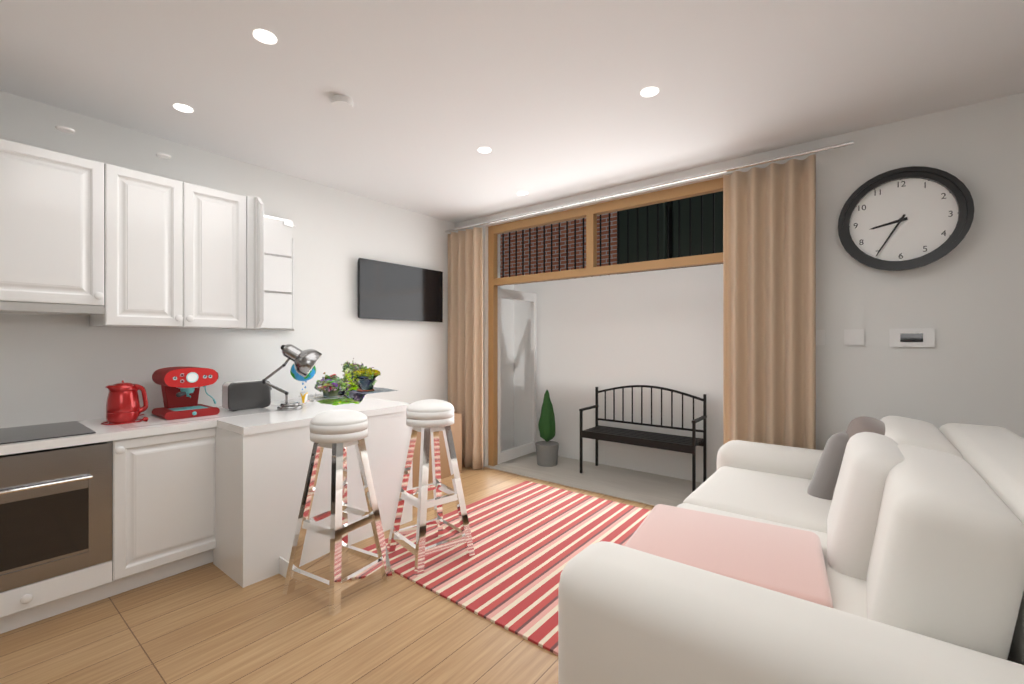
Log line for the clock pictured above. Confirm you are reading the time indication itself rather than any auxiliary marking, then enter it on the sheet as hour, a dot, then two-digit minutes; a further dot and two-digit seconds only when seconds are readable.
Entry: 8.35
